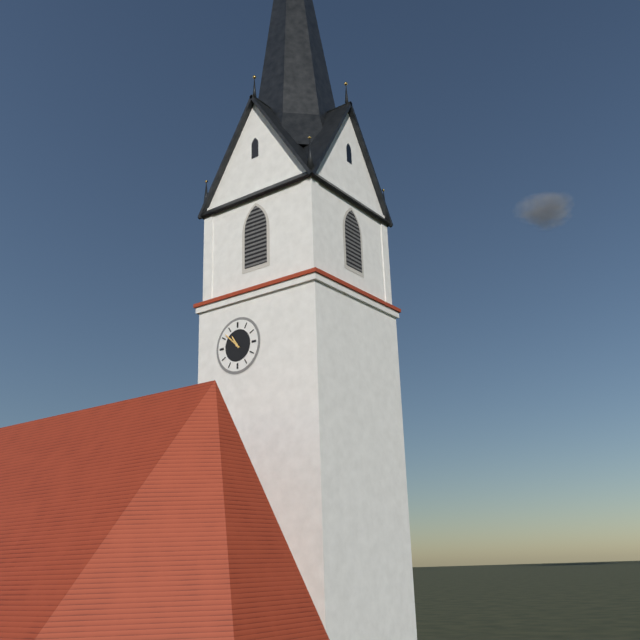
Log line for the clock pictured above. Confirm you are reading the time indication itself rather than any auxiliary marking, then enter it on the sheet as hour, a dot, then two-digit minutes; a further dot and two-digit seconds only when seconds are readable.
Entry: 10.52
